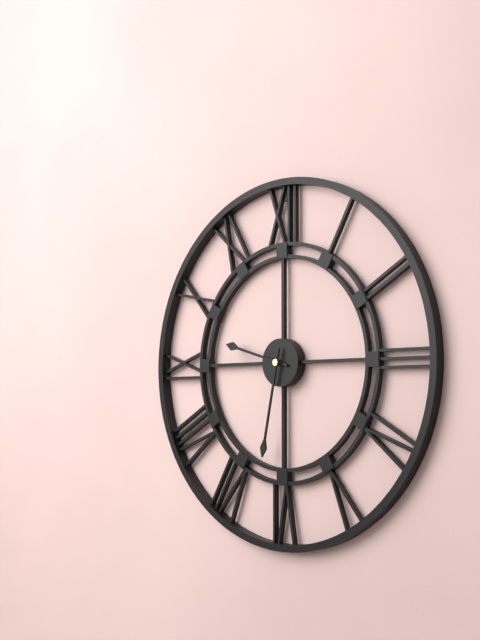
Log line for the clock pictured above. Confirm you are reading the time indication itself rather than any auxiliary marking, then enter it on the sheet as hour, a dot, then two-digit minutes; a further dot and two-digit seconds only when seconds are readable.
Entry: 9.32
